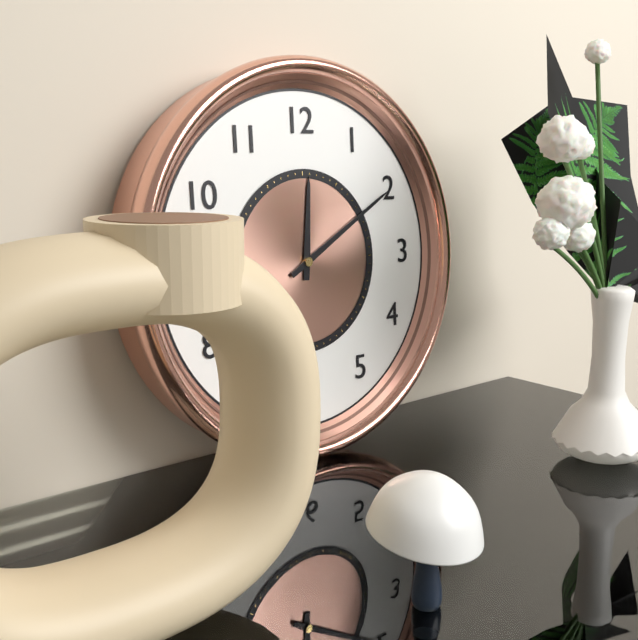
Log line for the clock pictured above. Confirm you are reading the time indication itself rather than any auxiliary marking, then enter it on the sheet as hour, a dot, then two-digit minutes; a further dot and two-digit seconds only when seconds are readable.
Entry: 12.10
